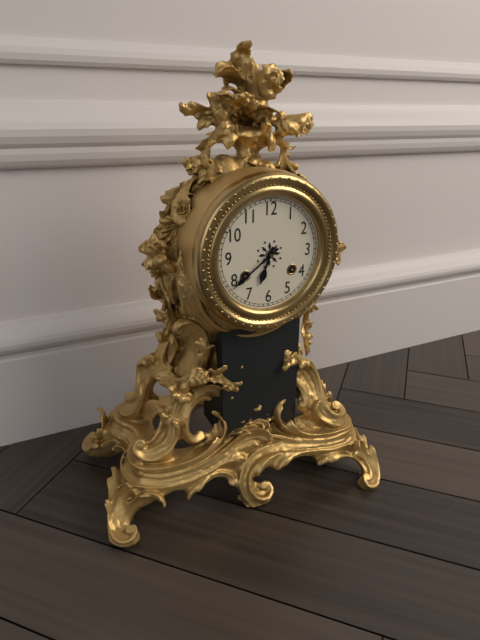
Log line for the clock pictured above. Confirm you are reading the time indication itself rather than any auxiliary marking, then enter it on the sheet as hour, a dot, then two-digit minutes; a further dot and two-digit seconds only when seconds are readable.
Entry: 6.39
